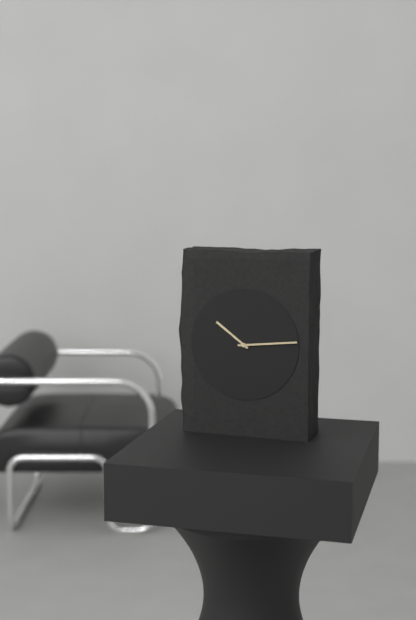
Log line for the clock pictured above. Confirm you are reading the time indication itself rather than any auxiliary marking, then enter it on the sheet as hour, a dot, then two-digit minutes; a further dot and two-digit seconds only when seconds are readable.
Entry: 10.14
